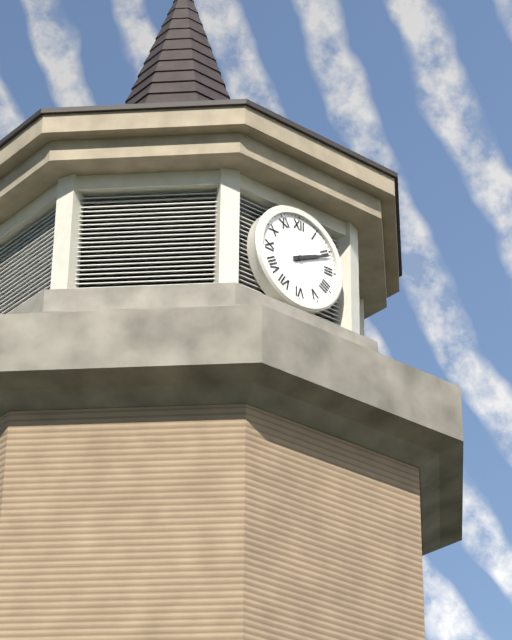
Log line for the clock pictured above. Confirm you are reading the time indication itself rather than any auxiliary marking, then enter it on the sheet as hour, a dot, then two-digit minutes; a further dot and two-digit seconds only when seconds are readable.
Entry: 2.11
